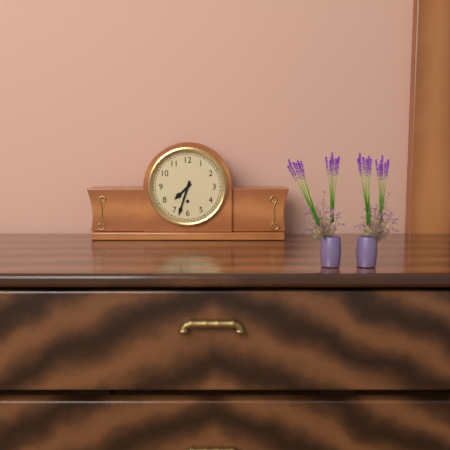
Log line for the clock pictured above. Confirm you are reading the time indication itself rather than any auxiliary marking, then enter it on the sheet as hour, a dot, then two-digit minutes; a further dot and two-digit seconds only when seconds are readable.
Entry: 7.33
